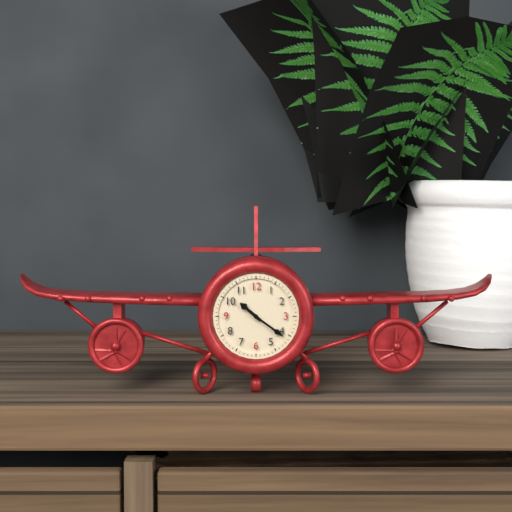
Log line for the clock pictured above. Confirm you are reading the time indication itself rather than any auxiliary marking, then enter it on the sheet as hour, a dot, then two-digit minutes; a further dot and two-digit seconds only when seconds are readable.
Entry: 10.21
